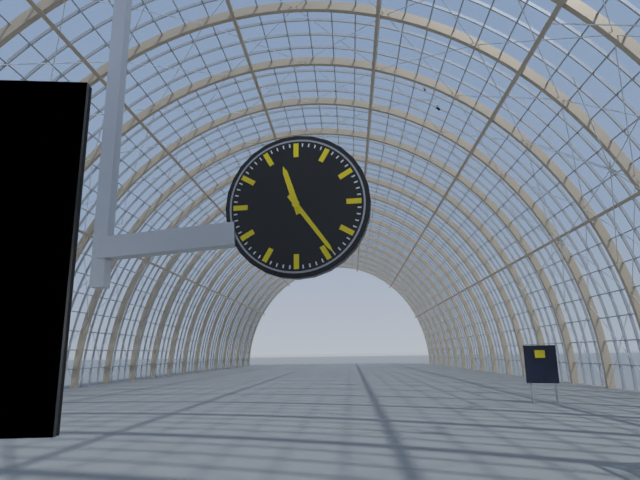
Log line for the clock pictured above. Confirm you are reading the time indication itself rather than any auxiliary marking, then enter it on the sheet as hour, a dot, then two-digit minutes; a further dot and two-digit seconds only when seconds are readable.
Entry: 11.24
